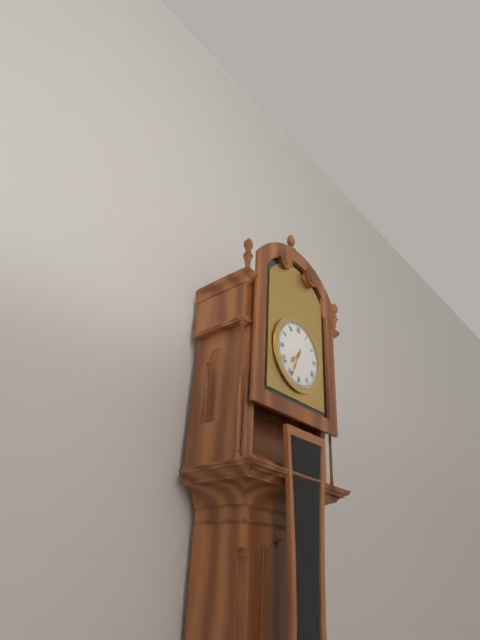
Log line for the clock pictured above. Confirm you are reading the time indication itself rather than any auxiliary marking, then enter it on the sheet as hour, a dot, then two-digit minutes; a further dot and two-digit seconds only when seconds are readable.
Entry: 7.34
